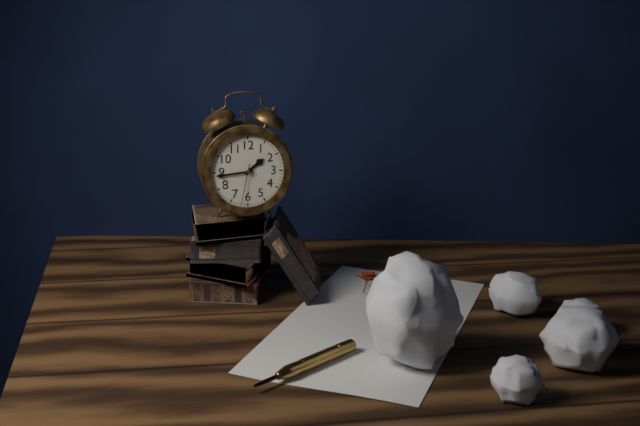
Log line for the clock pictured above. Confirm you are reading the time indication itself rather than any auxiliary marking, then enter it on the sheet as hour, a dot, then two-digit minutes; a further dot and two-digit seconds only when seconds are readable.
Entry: 1.44
